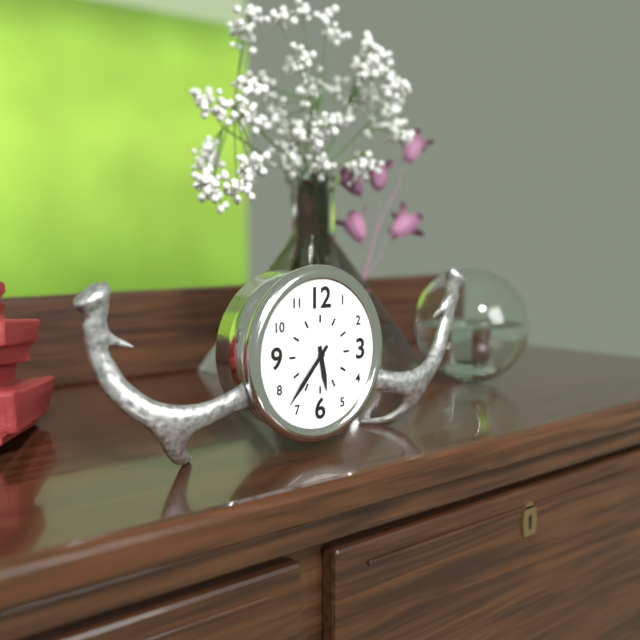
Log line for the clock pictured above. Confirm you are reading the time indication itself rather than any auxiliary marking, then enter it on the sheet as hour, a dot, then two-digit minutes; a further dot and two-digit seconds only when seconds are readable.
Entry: 5.37
